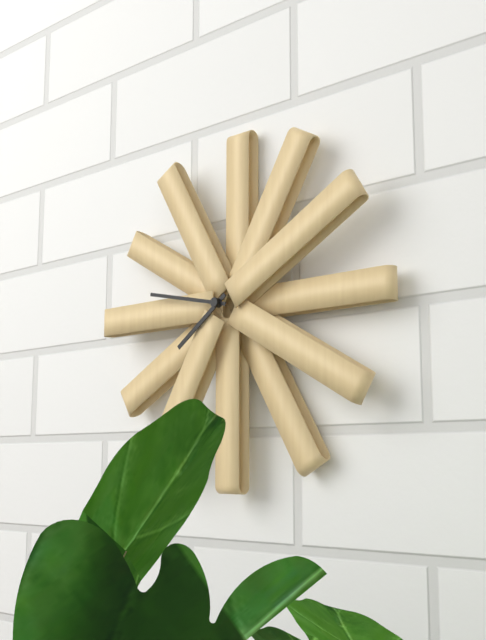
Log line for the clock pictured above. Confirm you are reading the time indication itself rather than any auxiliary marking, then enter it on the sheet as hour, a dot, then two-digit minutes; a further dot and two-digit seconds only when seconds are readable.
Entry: 7.47
